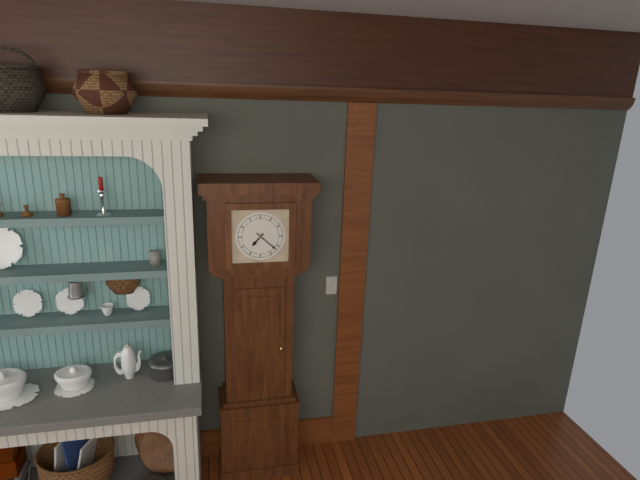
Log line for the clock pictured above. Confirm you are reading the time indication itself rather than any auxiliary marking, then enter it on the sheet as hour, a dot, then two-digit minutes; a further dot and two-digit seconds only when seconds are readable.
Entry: 7.22
